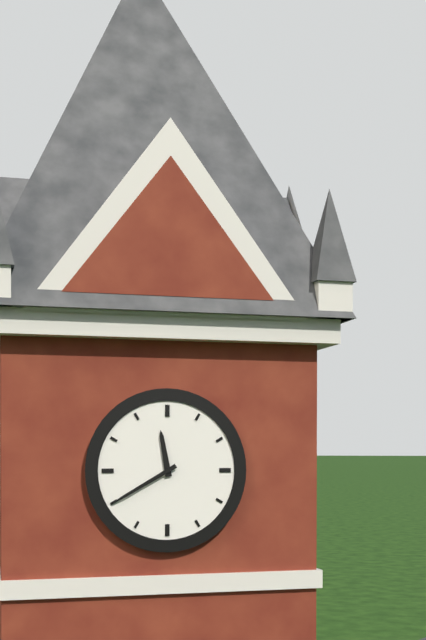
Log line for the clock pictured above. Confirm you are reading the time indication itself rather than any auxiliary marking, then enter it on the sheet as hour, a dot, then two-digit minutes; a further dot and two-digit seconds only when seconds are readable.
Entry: 11.40
